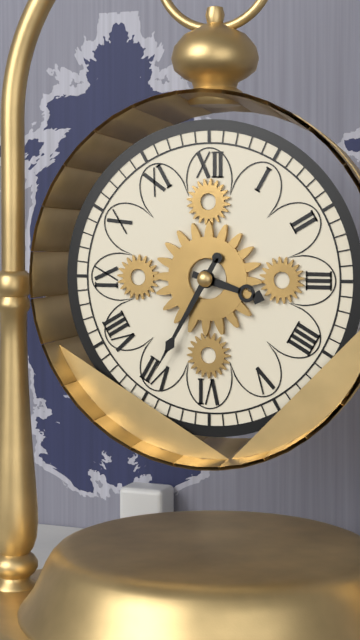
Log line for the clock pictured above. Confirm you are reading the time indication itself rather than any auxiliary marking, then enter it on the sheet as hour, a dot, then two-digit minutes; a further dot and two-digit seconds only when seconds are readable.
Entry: 3.35
